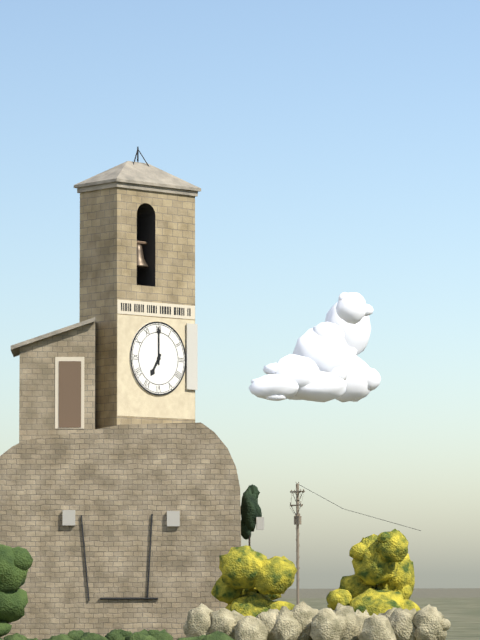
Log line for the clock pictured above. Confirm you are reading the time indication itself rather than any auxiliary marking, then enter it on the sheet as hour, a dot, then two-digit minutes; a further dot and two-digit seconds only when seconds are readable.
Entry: 7.00
